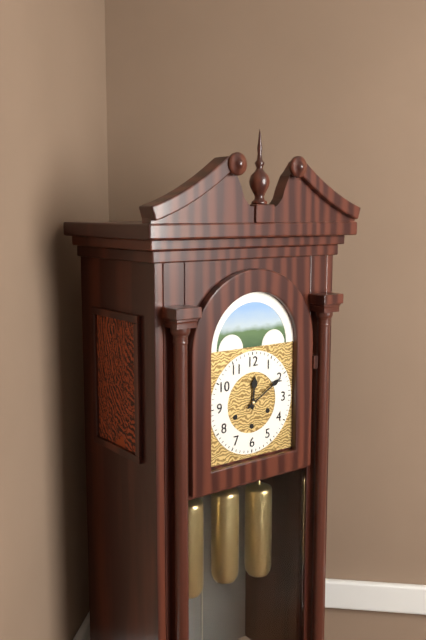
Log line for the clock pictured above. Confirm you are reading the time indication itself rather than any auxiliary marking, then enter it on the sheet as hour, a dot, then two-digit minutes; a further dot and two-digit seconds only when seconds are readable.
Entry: 12.10
